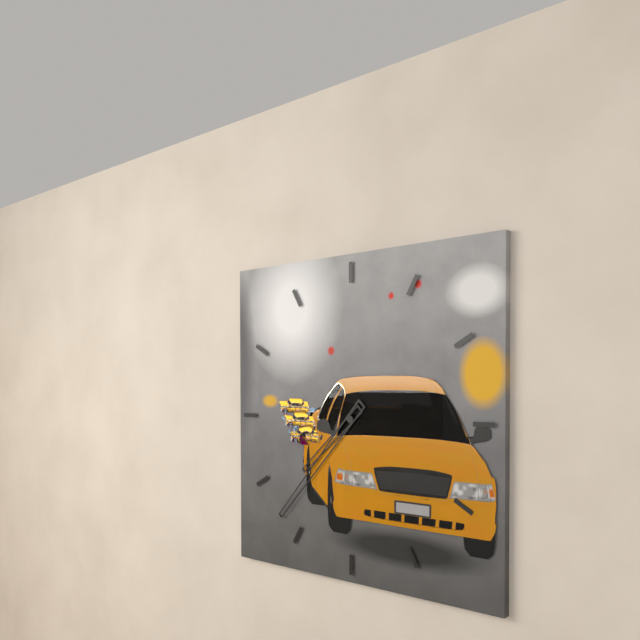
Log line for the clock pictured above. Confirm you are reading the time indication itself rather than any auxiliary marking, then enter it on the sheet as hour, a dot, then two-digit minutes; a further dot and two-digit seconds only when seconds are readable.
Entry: 7.37
